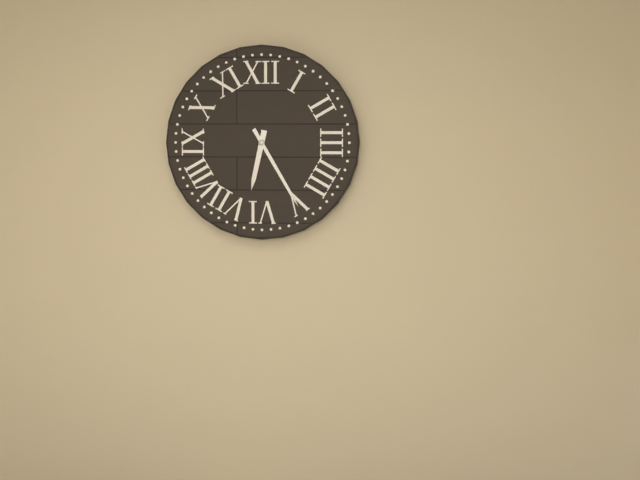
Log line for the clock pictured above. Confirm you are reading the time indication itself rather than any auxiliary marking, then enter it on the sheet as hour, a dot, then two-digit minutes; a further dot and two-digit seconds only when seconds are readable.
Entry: 6.25
